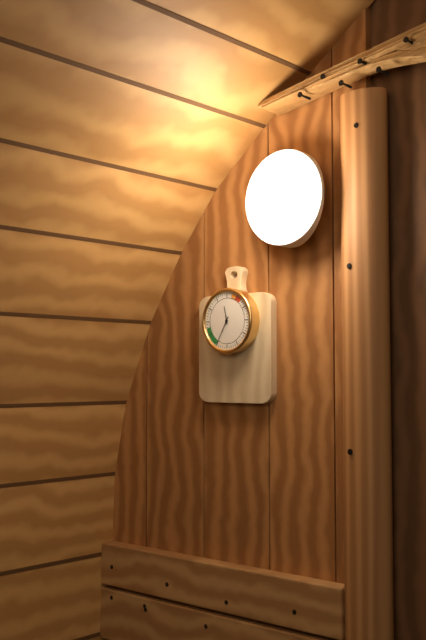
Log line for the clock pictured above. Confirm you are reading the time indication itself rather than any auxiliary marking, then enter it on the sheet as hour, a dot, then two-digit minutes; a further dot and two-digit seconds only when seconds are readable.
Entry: 11.35
